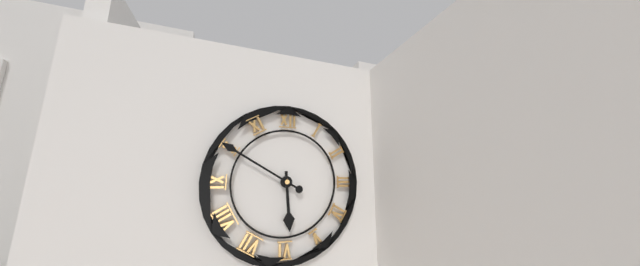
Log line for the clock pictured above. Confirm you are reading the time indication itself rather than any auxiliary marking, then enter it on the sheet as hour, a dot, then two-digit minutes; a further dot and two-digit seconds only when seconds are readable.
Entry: 5.50
